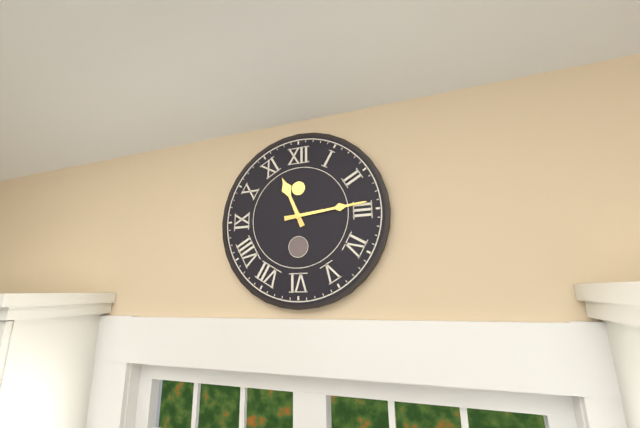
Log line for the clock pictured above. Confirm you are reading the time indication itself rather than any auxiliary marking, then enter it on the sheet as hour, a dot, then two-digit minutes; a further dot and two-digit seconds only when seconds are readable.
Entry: 11.14
